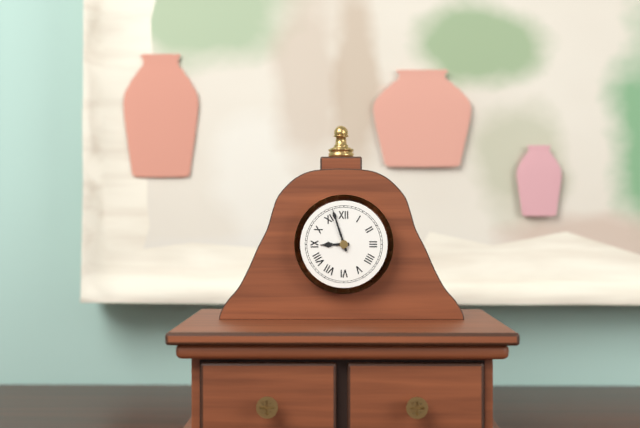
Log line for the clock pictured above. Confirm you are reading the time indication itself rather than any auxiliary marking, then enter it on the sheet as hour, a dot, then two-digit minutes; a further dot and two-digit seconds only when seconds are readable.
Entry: 8.57
